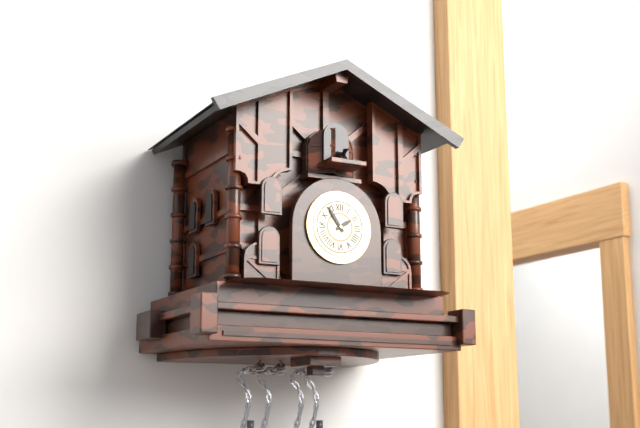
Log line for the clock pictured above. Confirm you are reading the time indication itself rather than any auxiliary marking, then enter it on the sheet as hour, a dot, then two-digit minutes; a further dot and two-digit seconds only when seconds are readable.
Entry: 1.54
